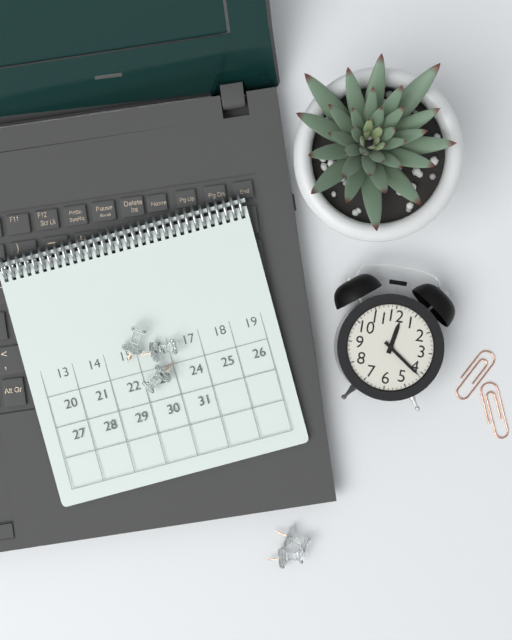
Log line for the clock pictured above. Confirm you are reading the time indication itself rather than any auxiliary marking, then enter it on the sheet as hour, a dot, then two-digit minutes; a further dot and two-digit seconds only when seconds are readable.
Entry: 12.21
